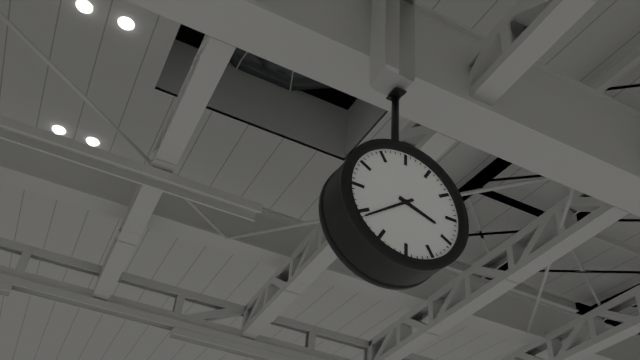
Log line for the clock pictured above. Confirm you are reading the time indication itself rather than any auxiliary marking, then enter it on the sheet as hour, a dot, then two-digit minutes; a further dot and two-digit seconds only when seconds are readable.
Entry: 3.39
